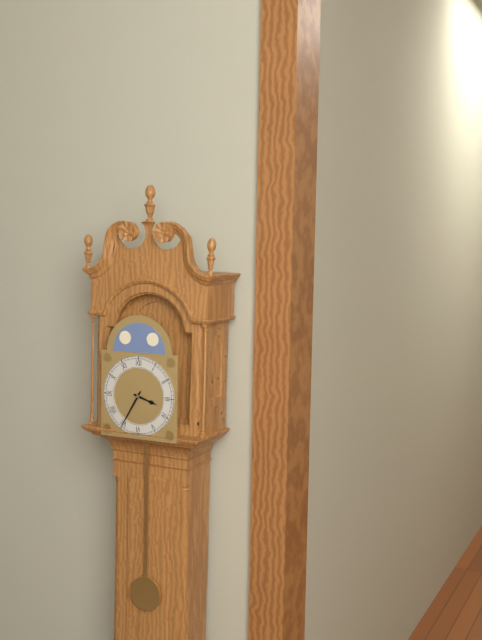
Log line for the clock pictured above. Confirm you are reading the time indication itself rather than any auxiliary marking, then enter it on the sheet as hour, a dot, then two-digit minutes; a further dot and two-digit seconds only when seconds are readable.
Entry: 3.35
